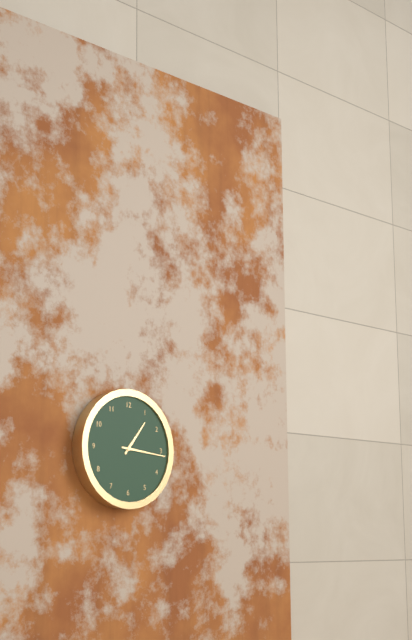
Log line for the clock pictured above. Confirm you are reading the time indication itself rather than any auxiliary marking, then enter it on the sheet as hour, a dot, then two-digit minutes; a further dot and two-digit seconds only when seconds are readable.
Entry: 1.16
